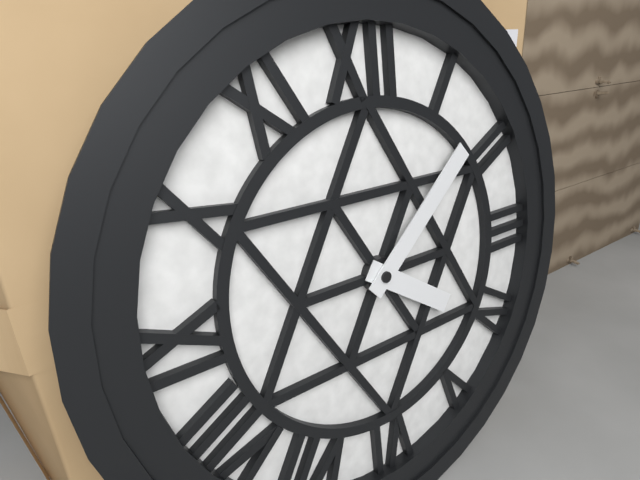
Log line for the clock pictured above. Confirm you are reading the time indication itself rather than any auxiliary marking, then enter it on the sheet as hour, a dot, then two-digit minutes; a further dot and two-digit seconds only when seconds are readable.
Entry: 4.08
